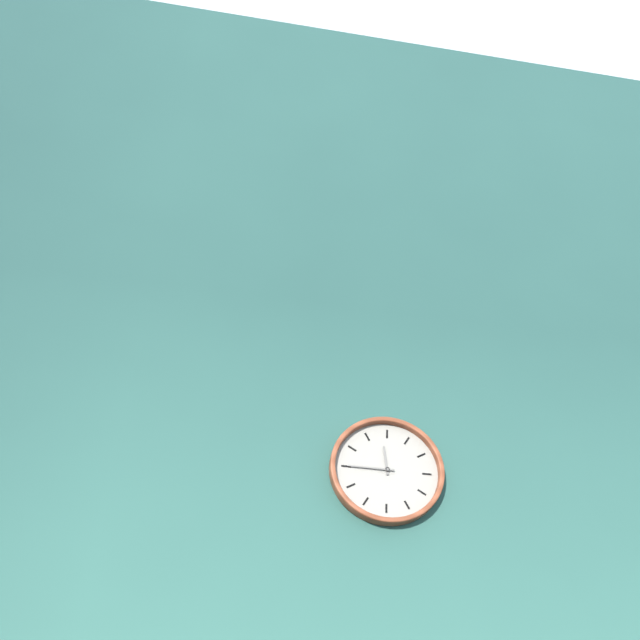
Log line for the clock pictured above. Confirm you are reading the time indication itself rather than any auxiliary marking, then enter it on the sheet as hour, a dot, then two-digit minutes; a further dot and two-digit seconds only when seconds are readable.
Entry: 11.45
